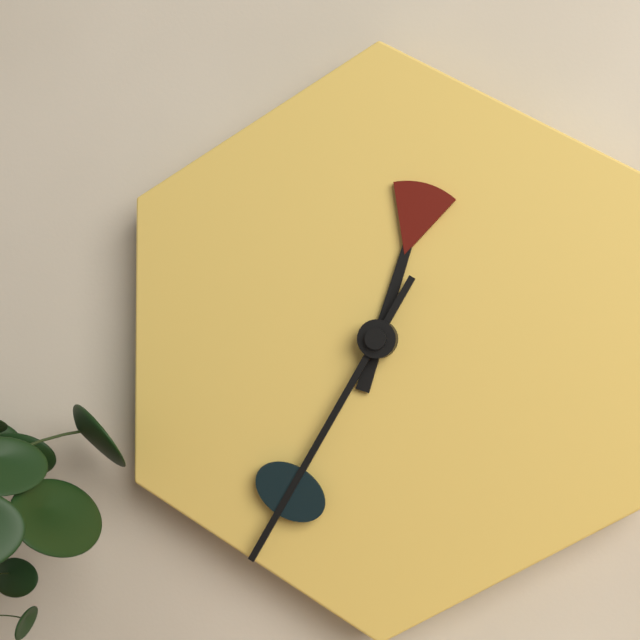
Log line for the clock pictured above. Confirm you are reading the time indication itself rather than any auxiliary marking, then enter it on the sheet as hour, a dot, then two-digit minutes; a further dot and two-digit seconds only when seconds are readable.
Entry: 12.35
